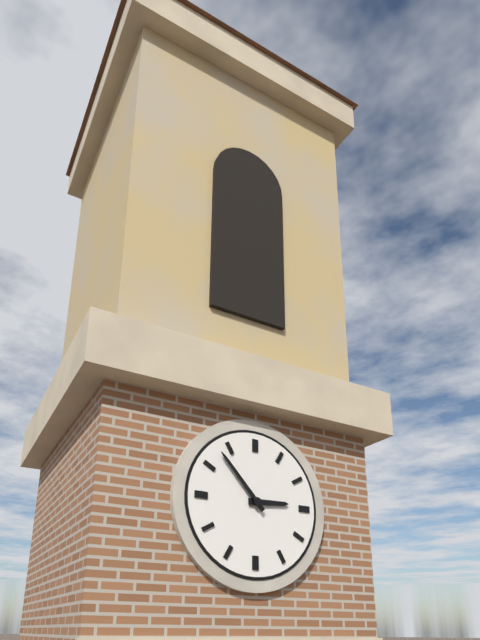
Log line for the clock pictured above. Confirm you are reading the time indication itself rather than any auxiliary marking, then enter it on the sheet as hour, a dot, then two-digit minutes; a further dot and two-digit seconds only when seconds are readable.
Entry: 2.53
